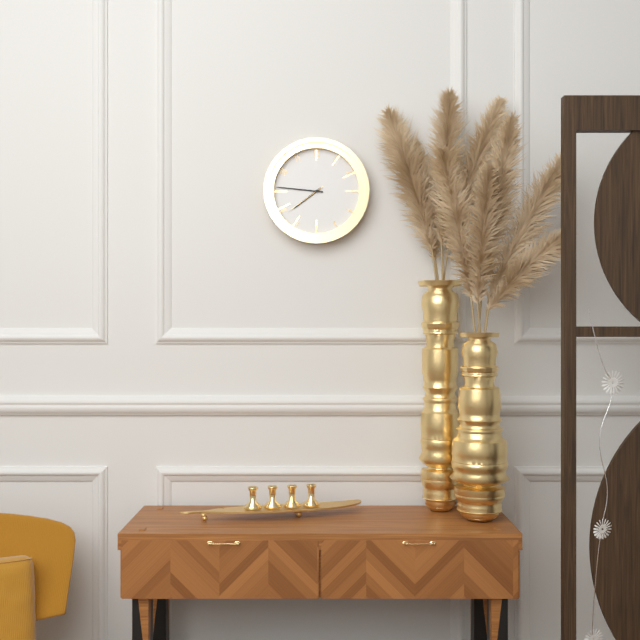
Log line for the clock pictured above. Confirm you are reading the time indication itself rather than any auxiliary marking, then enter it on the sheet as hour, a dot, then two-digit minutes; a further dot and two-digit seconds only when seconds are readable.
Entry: 7.46
